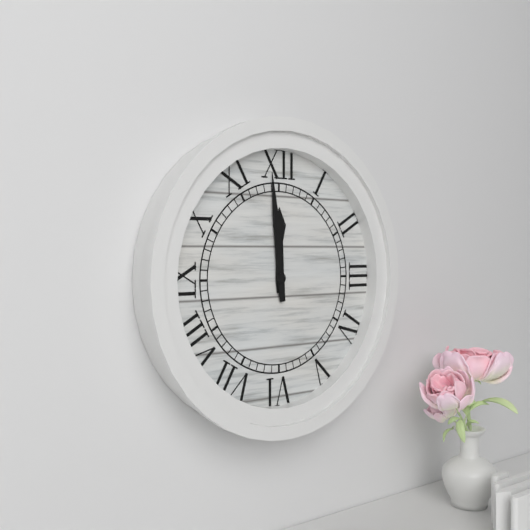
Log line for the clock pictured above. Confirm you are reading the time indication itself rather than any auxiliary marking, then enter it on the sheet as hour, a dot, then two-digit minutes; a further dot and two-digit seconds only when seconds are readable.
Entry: 11.59
